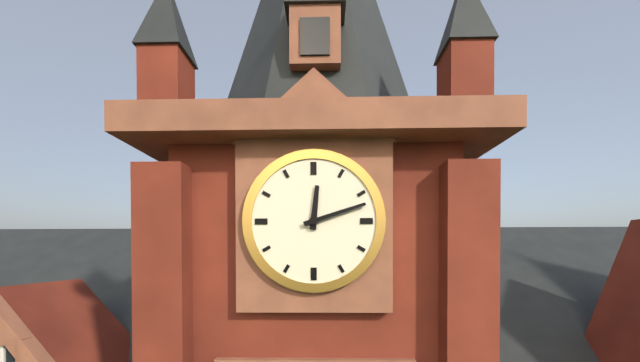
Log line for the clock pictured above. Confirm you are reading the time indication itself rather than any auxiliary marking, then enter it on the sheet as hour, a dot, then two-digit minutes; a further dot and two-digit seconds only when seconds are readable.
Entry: 12.12
